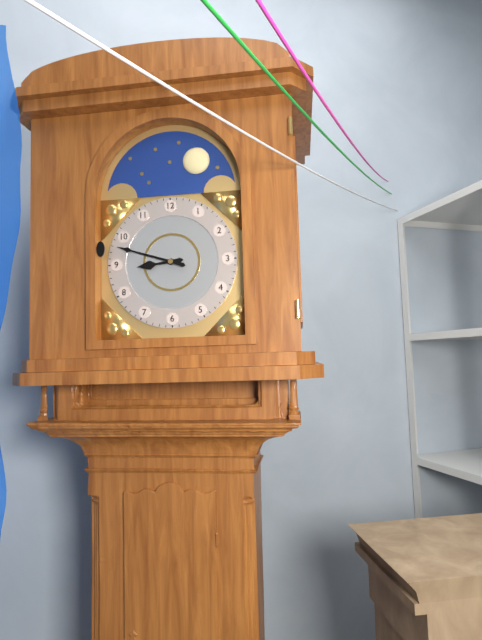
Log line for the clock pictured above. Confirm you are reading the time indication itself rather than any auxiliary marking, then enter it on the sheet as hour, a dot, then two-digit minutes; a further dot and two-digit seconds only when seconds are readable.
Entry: 8.48
